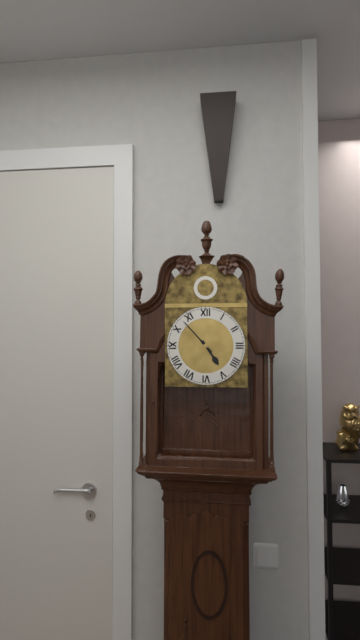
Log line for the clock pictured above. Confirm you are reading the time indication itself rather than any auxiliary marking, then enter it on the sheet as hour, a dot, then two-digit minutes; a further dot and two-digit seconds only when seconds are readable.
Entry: 4.53
